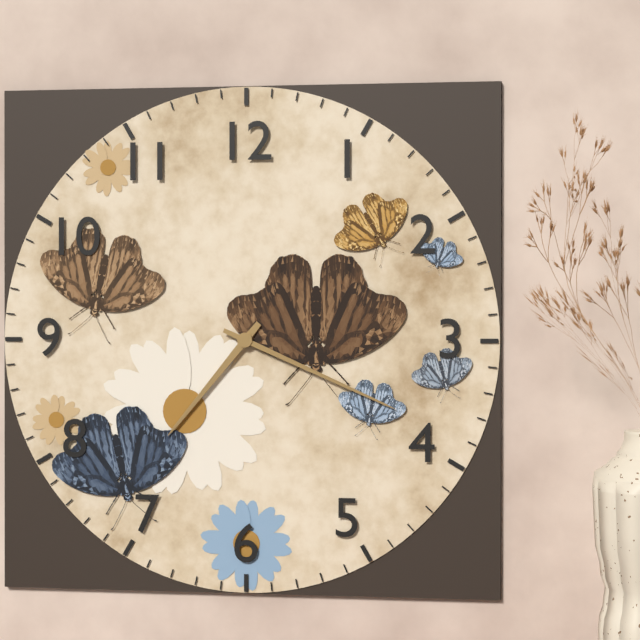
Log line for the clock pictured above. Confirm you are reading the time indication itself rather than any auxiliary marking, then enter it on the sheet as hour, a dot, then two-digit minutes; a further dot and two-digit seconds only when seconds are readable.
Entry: 7.19
